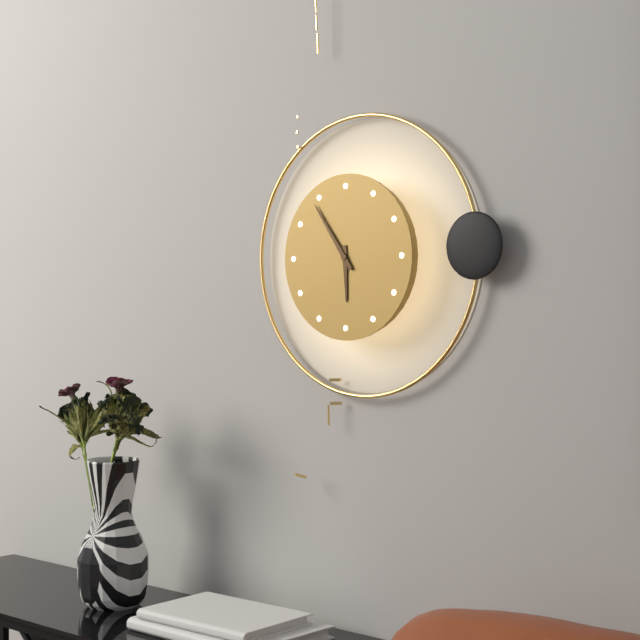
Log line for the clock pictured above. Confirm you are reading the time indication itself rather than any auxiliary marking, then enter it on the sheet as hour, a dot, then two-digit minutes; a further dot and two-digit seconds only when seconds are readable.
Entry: 5.54
